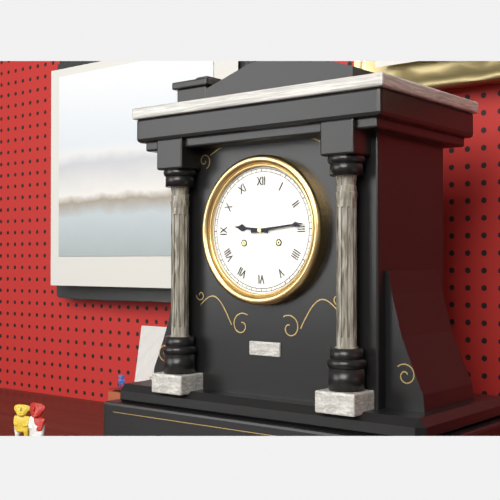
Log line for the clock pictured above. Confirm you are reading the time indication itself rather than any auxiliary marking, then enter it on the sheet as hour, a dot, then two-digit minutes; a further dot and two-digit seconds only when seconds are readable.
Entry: 9.14
